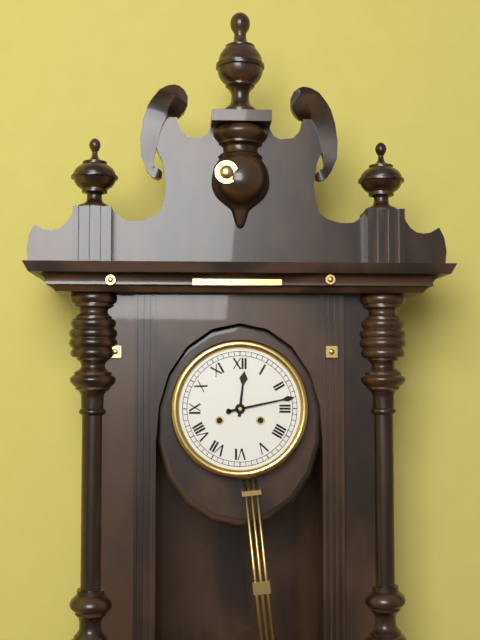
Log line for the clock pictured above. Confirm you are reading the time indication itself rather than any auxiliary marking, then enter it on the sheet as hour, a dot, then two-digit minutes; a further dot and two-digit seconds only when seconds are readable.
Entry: 12.13
